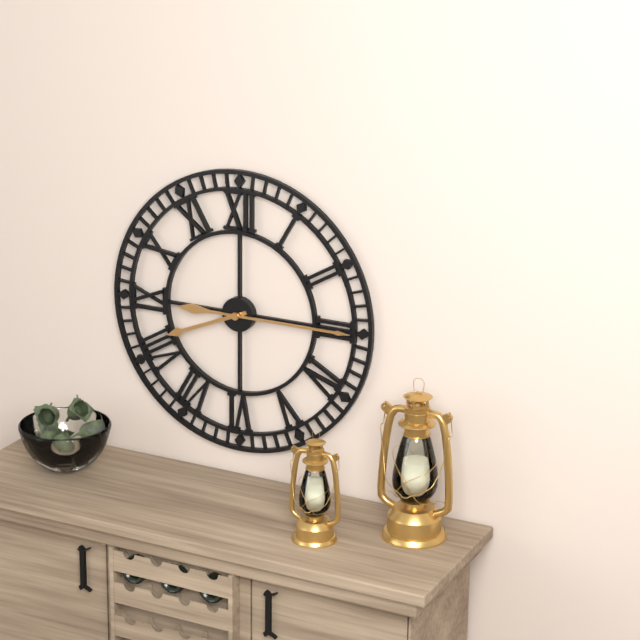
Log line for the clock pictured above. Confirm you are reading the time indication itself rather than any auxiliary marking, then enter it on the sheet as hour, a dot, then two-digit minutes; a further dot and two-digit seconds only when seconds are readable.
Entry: 8.15
